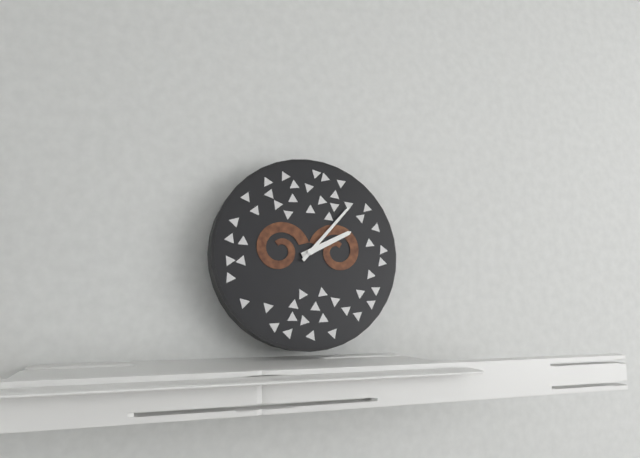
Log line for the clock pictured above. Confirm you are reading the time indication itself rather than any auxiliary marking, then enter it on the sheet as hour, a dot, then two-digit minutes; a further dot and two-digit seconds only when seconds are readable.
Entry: 2.07
